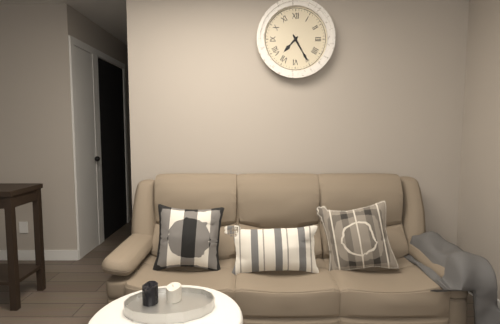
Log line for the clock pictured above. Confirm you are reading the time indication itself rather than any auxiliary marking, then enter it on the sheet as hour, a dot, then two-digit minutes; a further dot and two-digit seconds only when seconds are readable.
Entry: 7.25
